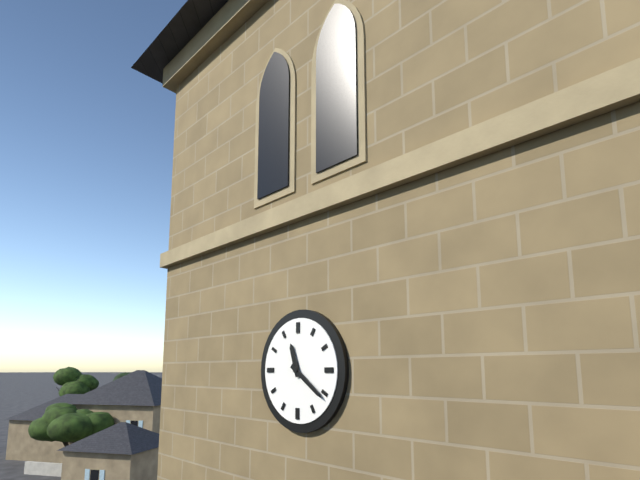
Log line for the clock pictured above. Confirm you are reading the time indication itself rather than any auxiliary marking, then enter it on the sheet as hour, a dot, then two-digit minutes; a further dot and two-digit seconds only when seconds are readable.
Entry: 11.21
